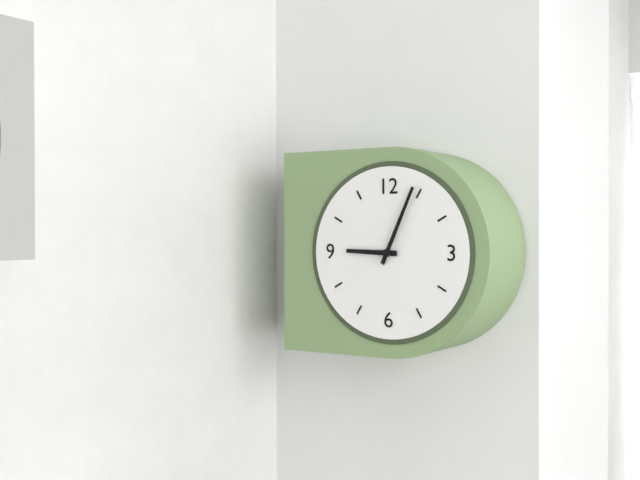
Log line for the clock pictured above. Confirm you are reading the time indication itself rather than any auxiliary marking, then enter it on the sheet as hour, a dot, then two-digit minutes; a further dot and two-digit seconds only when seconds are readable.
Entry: 9.04
